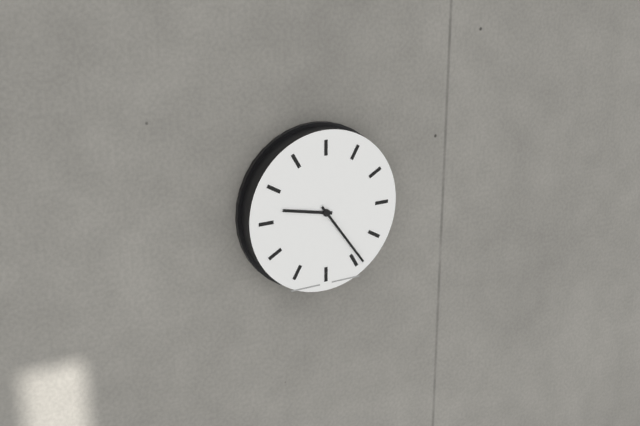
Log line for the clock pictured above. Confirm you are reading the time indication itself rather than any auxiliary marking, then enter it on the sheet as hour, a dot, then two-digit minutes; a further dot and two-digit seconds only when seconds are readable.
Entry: 9.24
